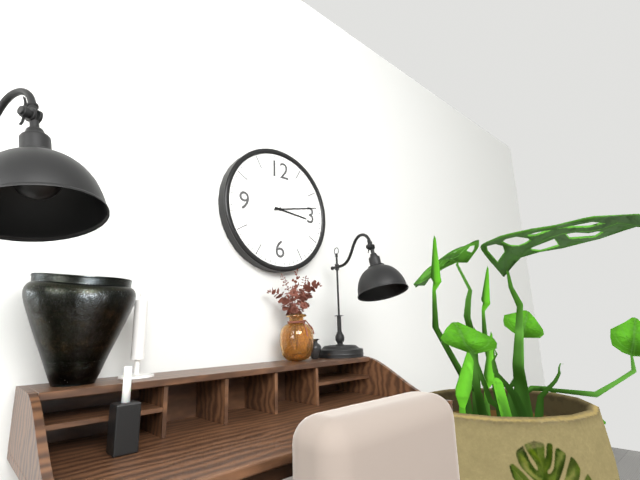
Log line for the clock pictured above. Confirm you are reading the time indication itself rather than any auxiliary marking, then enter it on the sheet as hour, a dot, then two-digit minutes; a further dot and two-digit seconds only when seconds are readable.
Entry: 3.13
